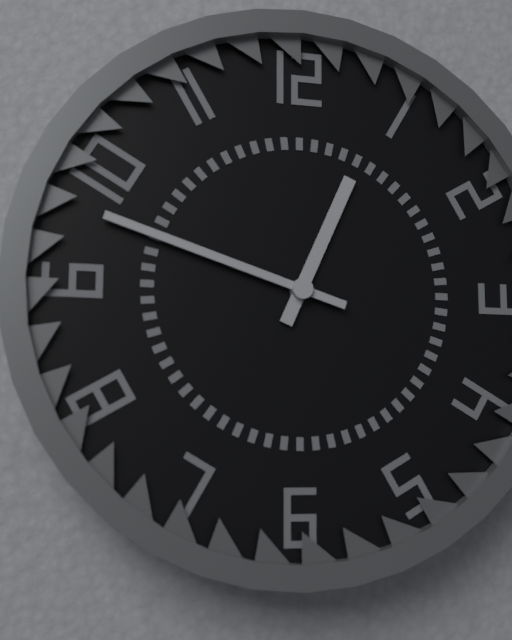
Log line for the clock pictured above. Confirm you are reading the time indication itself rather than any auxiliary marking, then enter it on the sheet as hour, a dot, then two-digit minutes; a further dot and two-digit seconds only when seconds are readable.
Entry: 12.48
